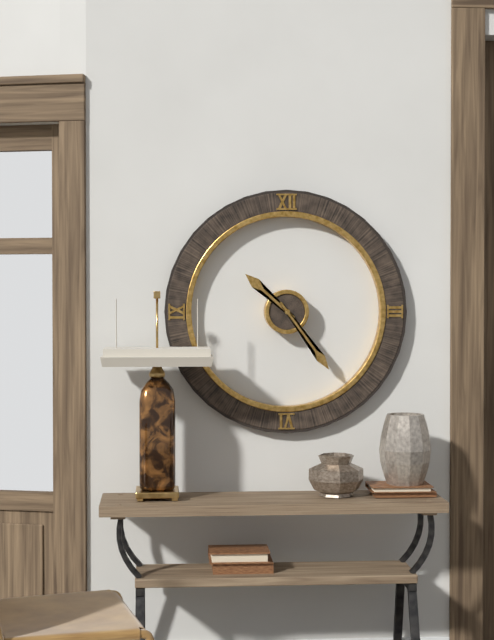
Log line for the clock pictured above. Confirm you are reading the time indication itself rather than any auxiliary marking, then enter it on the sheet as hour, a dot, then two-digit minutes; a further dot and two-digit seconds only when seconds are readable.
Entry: 10.24
